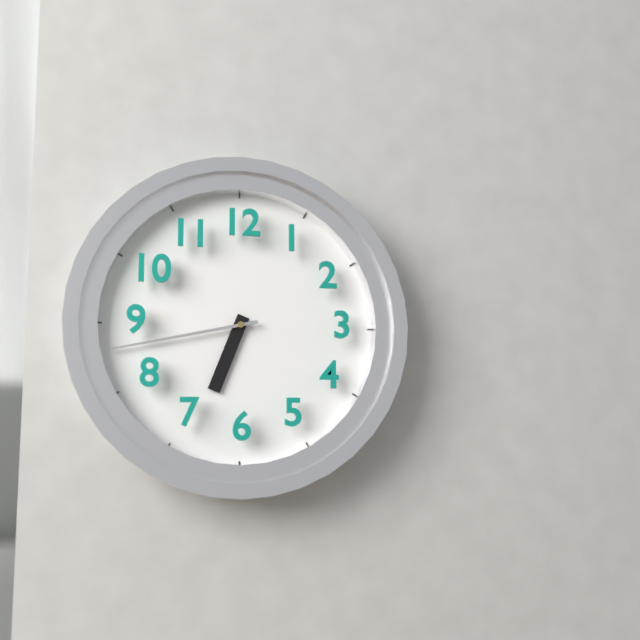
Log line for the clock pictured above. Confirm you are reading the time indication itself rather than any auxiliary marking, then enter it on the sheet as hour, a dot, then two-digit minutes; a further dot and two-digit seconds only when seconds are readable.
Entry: 6.43
